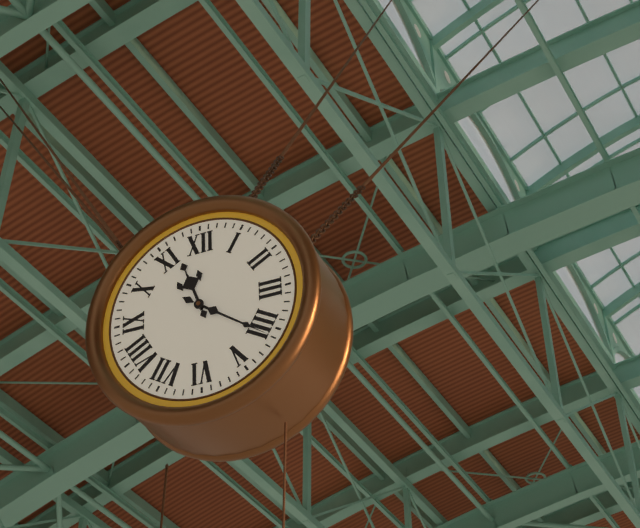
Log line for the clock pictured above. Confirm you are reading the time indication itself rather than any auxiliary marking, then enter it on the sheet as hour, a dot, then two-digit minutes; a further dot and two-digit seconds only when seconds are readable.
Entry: 11.21
